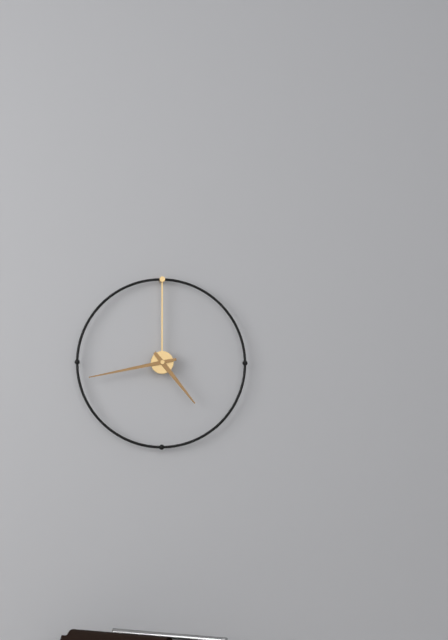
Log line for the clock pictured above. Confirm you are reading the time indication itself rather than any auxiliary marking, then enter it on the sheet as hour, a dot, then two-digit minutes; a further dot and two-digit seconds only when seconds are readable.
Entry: 4.43
